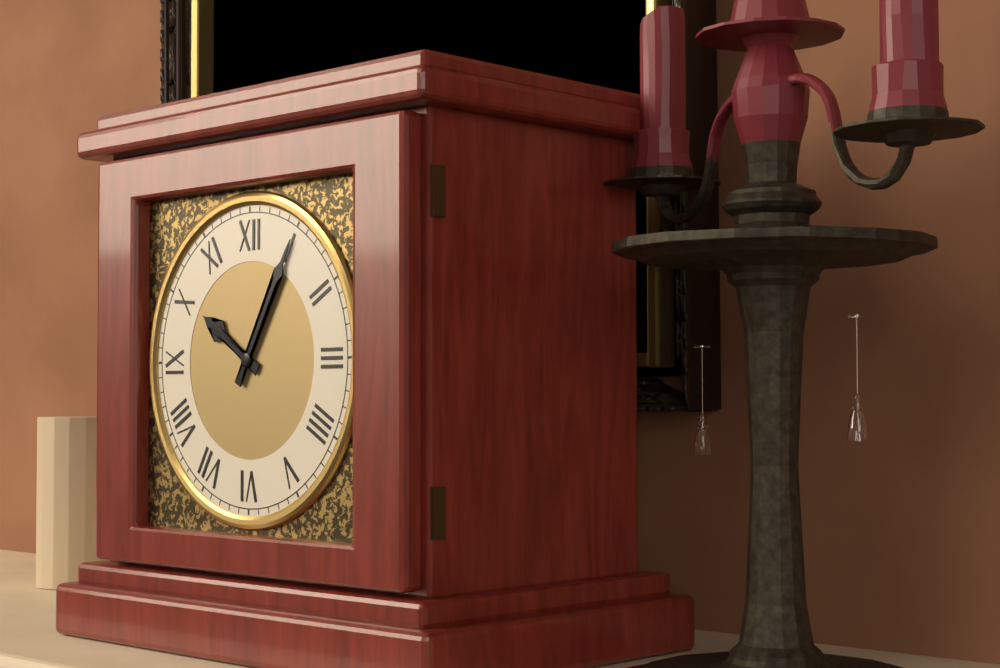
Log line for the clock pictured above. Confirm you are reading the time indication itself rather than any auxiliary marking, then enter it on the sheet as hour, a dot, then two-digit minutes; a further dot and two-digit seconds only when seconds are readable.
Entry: 10.05
